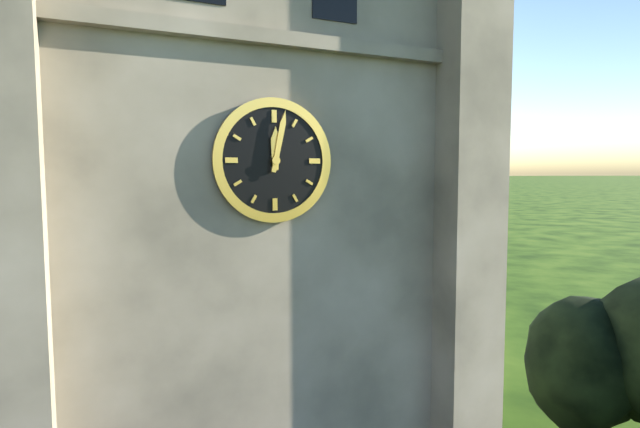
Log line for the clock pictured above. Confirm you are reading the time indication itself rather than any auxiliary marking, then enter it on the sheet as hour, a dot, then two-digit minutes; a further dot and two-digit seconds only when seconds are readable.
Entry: 12.02
